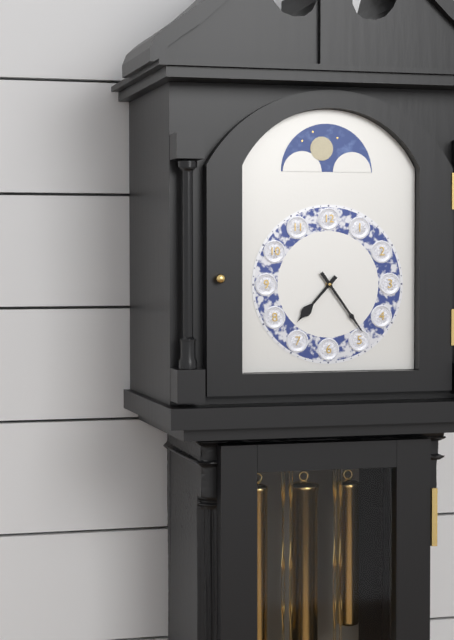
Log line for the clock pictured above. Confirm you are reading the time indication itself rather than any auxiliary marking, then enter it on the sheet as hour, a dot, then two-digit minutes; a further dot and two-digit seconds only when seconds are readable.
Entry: 7.24
